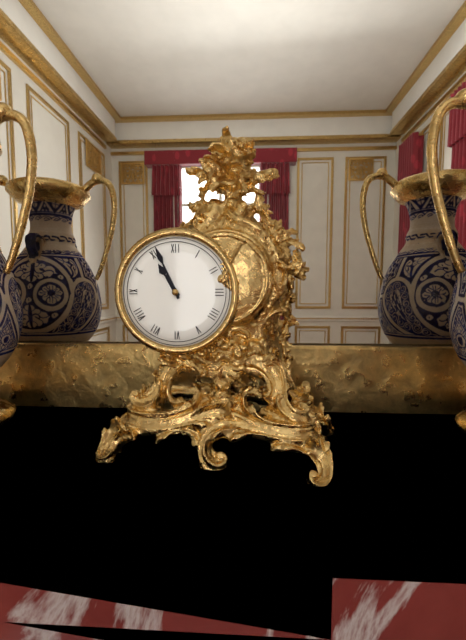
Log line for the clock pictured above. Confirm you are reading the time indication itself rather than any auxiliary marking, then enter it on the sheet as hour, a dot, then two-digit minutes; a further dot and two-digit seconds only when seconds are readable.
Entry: 10.56
